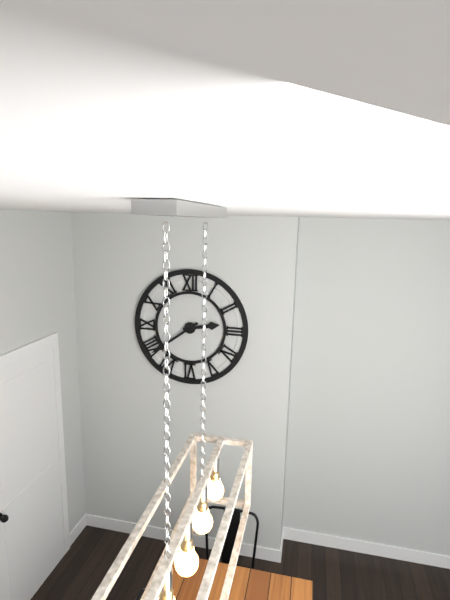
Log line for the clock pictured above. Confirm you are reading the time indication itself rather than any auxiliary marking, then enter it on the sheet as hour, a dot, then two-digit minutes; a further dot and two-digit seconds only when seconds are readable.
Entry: 2.39
